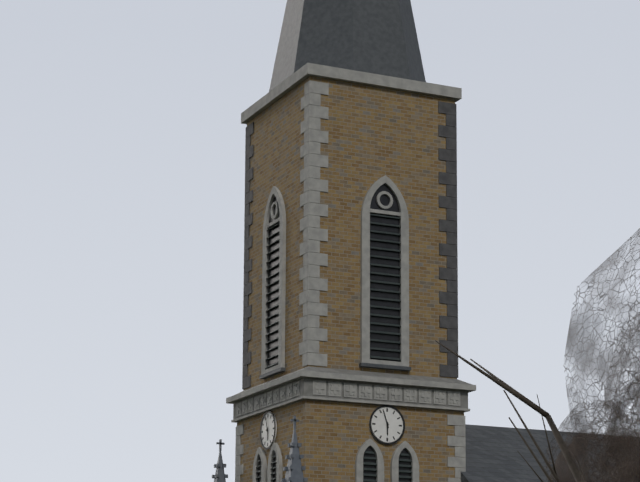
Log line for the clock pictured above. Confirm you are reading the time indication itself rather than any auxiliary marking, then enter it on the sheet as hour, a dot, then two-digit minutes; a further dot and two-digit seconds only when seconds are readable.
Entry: 5.57
